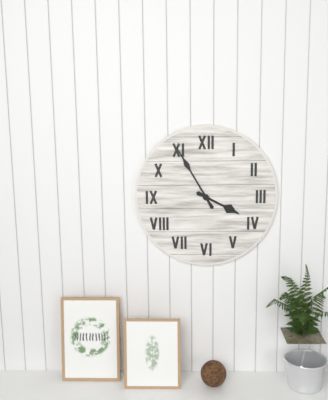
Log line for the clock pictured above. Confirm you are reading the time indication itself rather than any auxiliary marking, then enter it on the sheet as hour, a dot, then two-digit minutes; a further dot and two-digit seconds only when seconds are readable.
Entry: 3.55
